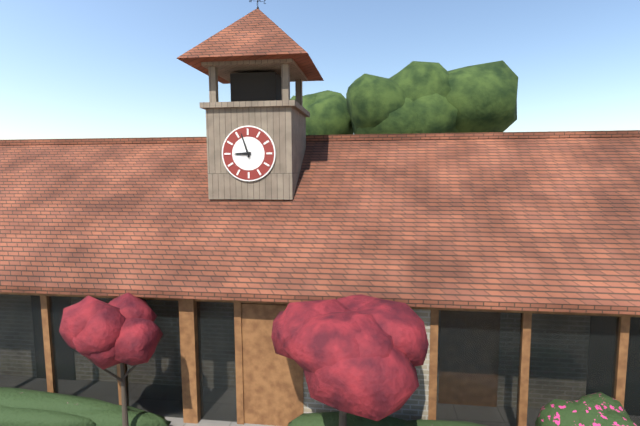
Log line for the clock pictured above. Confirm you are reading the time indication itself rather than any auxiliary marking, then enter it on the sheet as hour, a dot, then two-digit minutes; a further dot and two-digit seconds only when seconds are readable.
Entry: 8.57
